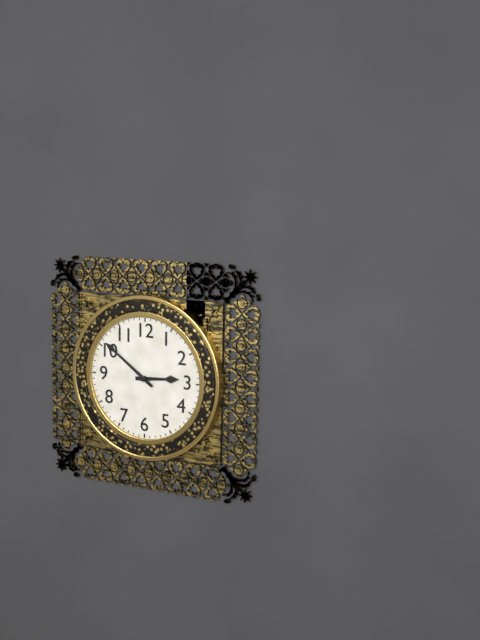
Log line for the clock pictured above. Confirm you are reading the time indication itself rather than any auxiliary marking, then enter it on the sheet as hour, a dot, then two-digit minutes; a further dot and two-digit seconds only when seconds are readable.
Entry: 2.51
